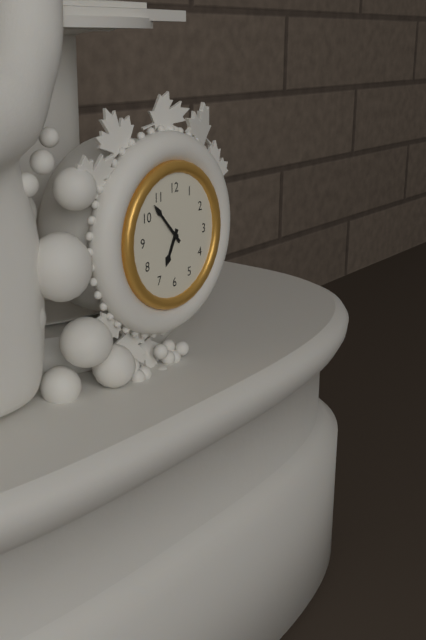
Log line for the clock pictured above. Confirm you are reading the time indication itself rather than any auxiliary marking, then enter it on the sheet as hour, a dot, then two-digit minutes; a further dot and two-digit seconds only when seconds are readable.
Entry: 6.53
